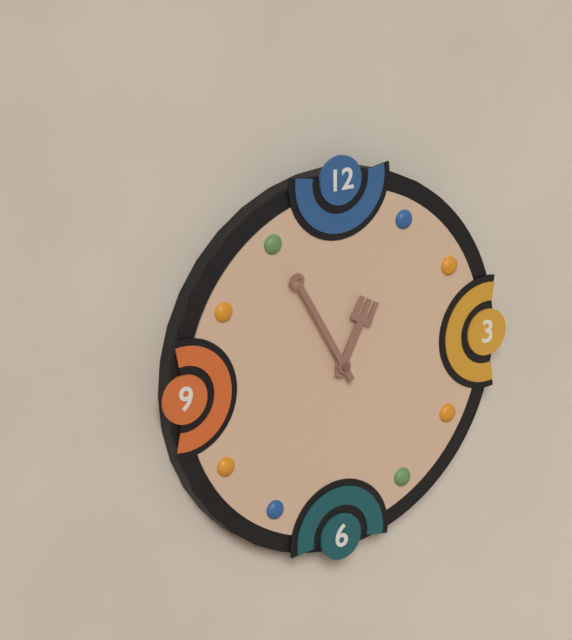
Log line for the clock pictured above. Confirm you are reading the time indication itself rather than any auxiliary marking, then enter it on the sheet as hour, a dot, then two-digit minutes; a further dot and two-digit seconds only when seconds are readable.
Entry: 12.55
